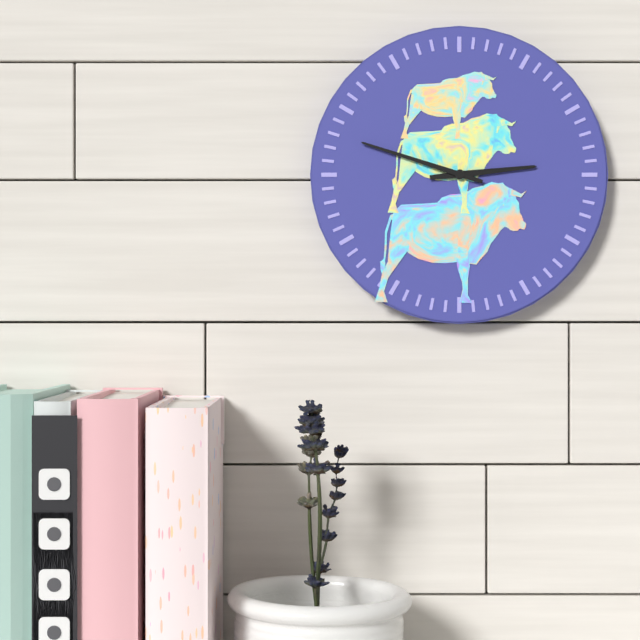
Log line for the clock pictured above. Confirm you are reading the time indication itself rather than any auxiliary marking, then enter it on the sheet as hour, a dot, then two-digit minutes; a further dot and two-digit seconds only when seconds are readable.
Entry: 2.48
